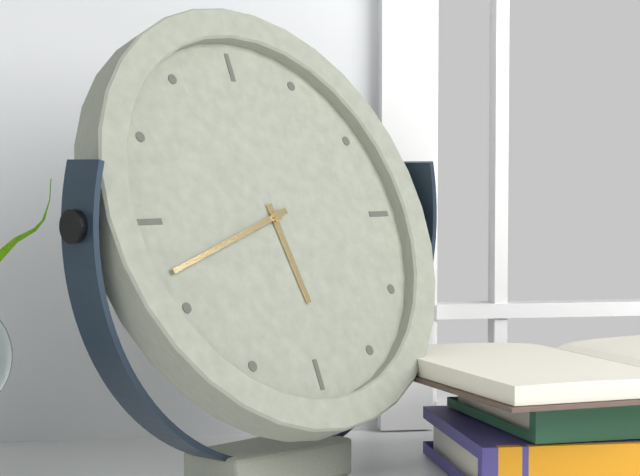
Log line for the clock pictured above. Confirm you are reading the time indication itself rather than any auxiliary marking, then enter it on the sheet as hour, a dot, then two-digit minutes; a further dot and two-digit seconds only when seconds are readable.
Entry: 5.42
